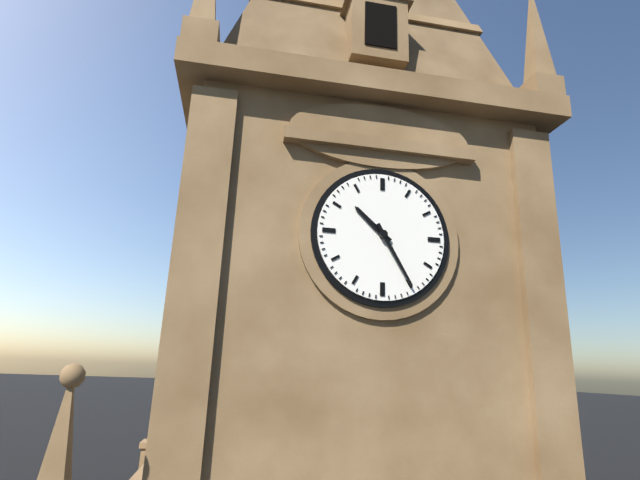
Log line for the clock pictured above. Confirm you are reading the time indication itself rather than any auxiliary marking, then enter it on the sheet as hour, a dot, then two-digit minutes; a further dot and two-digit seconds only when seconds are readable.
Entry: 10.25
